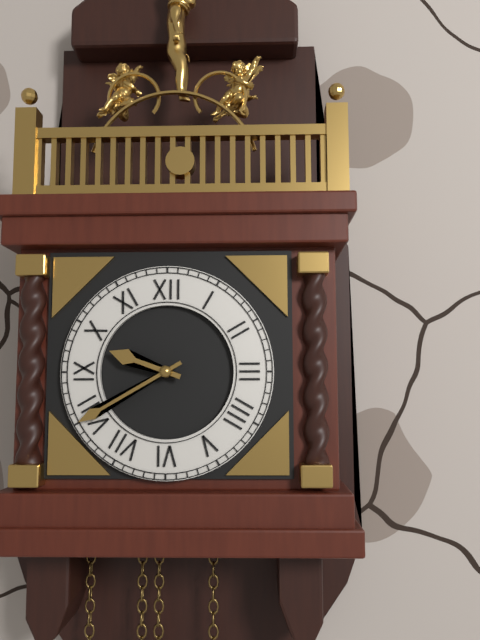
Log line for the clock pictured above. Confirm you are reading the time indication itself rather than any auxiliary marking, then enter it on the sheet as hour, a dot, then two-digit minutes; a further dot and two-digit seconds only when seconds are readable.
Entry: 9.40
